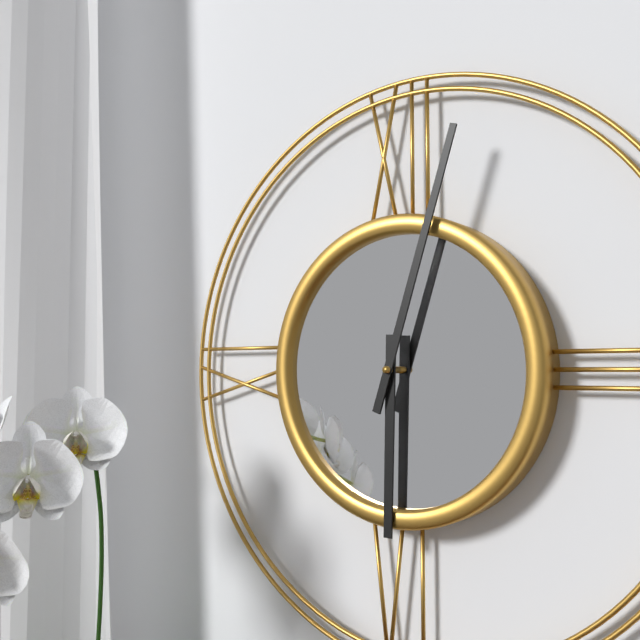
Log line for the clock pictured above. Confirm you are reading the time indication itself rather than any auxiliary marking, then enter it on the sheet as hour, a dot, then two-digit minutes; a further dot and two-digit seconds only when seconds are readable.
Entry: 6.03
